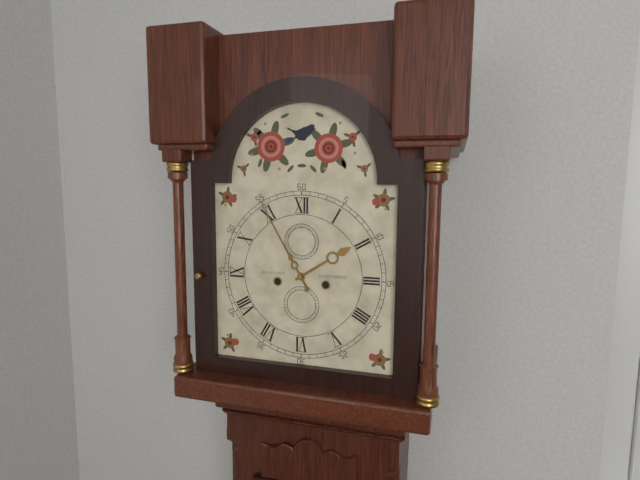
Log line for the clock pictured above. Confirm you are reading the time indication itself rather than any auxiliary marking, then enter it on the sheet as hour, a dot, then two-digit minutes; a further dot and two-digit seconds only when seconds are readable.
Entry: 1.55
